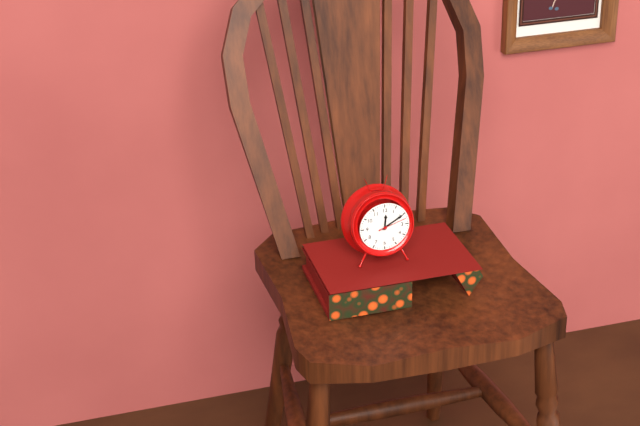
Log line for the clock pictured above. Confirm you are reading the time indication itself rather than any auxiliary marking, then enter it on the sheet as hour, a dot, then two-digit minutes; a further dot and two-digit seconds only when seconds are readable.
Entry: 12.10
